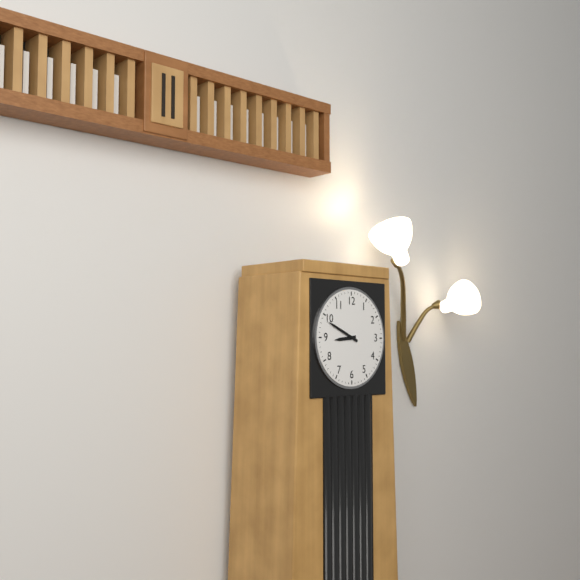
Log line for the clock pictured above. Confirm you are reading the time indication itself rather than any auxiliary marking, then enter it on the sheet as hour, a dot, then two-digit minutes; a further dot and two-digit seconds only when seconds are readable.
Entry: 8.49
